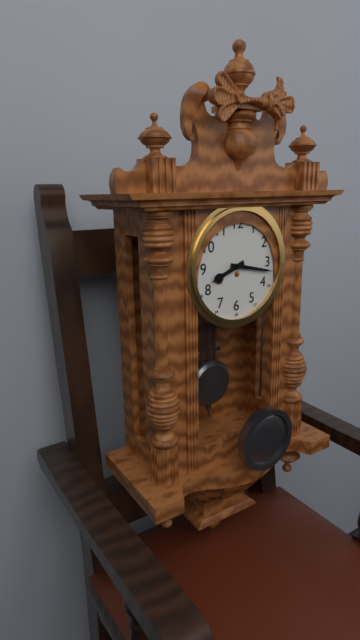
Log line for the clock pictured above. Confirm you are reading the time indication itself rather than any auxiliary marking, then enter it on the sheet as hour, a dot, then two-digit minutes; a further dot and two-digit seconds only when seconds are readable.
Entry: 8.17
